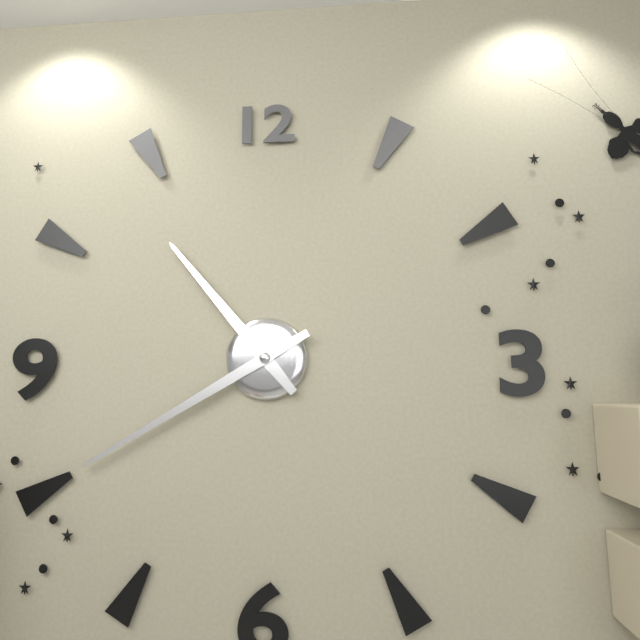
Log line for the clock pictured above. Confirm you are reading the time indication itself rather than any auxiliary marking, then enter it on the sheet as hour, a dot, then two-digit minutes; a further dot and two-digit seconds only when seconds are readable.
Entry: 10.40
